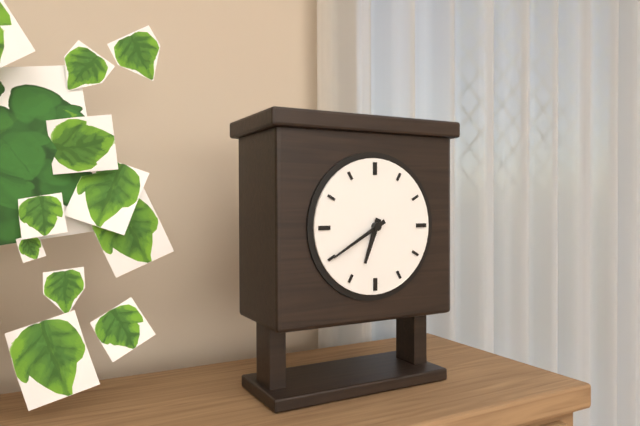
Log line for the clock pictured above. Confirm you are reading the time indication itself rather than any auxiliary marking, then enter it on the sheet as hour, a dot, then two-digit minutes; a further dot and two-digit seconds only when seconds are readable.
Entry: 6.40
